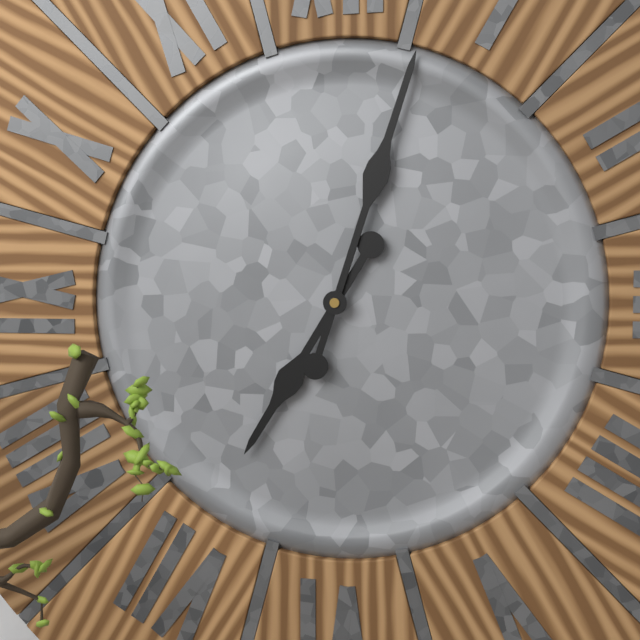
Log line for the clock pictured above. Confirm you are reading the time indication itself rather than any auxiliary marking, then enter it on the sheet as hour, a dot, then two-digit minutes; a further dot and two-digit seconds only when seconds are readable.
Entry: 7.03
